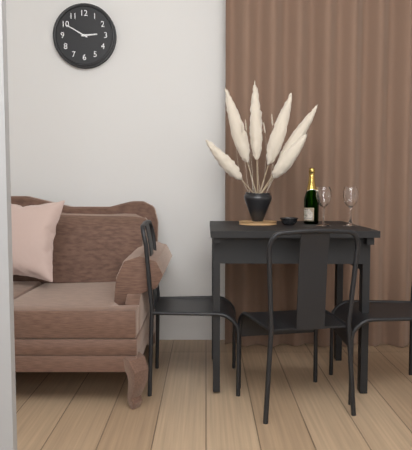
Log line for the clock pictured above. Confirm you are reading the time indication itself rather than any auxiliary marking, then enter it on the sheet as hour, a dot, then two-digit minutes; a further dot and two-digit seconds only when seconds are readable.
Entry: 2.50
